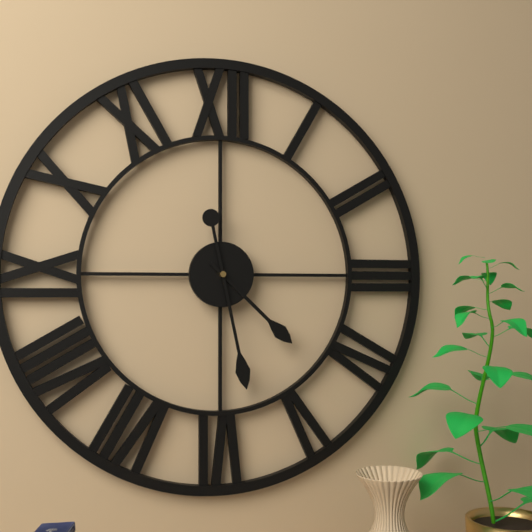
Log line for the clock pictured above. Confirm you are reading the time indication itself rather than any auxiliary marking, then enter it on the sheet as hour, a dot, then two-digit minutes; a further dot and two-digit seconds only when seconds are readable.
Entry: 4.28
